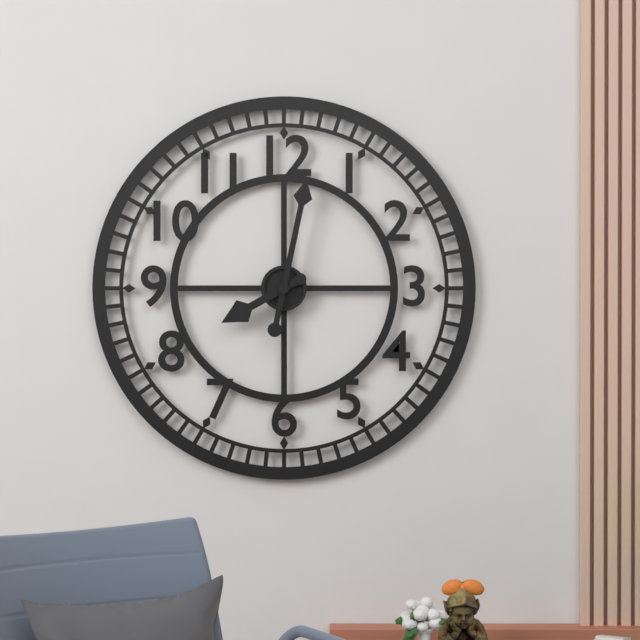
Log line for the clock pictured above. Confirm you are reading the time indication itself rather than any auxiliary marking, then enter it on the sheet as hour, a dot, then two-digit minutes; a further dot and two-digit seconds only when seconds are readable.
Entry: 8.02
